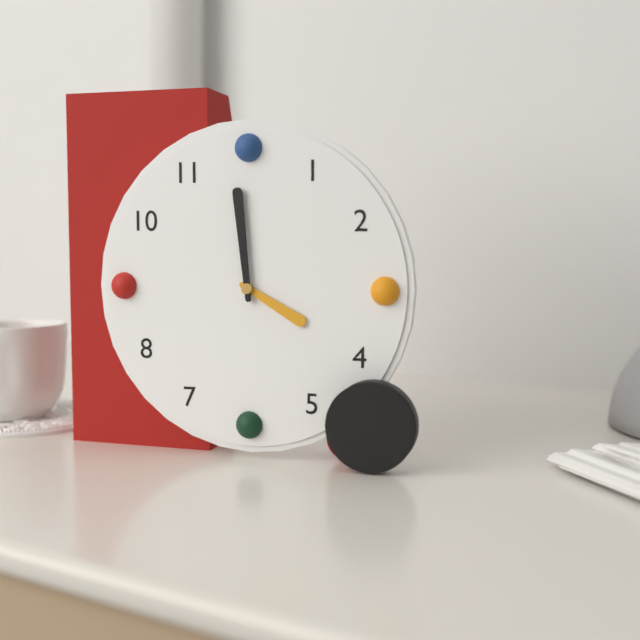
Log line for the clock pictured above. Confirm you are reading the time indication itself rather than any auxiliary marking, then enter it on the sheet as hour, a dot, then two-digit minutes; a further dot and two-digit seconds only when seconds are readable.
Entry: 3.59
